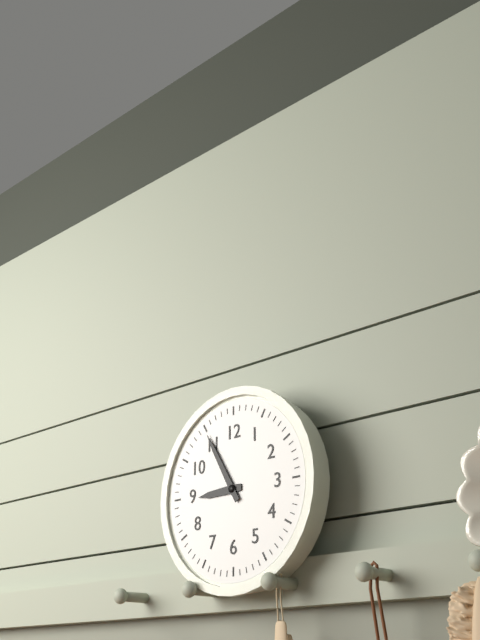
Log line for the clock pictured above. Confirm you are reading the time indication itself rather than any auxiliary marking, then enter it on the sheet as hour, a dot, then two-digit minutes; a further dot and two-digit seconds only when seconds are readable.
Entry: 8.55
